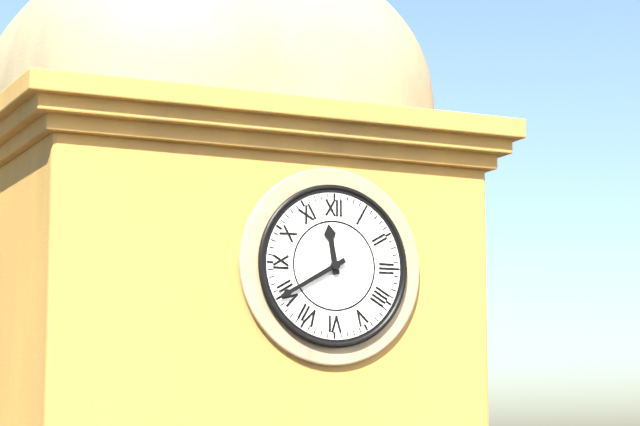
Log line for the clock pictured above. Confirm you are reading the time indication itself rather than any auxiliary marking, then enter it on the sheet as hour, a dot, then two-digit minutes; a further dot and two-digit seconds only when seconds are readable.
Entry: 11.40
